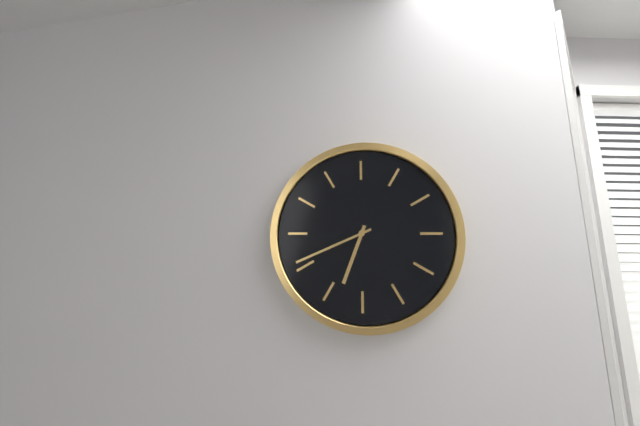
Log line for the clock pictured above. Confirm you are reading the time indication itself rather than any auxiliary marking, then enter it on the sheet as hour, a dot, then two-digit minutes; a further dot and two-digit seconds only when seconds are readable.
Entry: 6.41
